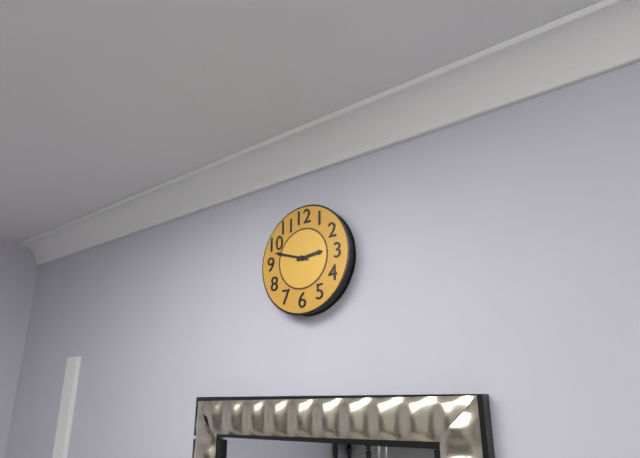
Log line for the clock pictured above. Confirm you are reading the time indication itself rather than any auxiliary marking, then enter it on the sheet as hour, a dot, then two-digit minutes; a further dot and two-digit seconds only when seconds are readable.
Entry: 2.48
